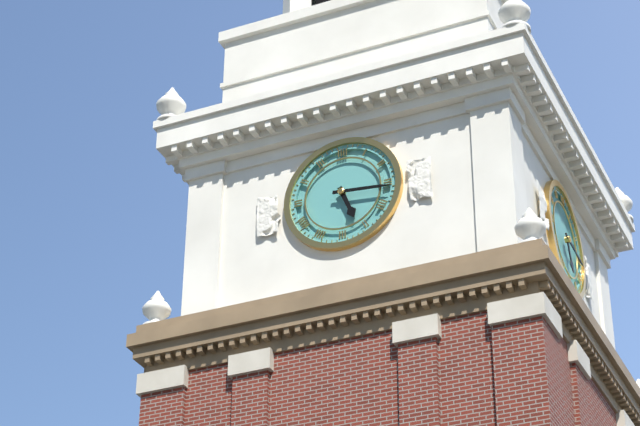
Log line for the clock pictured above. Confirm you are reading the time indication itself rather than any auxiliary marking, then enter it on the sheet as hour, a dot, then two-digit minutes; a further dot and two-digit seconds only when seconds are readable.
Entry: 5.16
